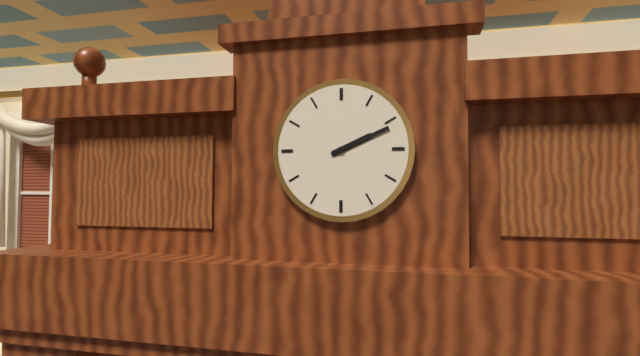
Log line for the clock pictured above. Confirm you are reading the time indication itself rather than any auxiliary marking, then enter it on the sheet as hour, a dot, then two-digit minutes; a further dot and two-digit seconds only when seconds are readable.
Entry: 2.11
